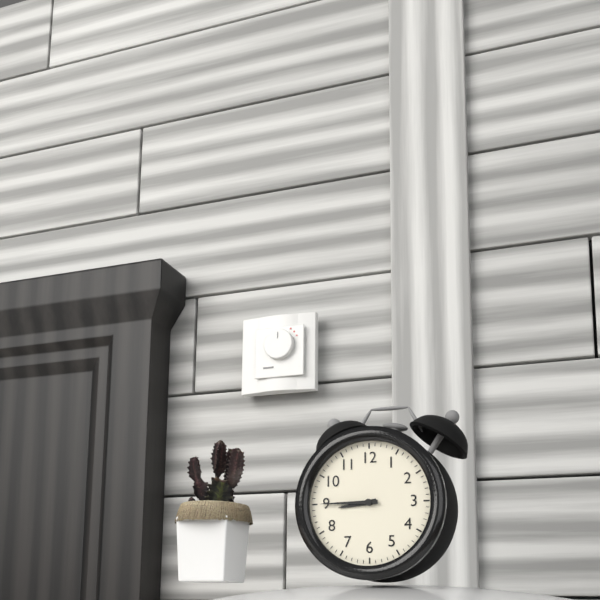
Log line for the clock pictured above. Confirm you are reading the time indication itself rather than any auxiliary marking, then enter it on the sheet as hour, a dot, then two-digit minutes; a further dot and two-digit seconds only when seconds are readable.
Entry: 8.45
